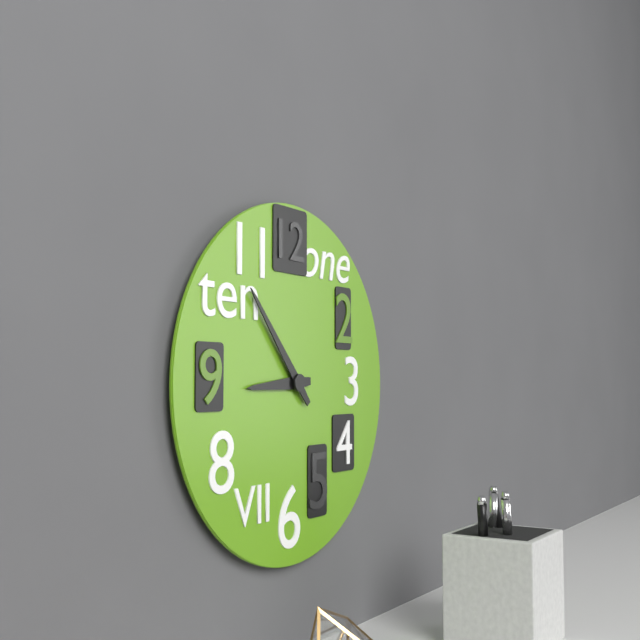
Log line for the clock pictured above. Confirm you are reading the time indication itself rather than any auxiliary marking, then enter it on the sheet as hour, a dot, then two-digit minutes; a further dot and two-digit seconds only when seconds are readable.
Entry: 8.53
